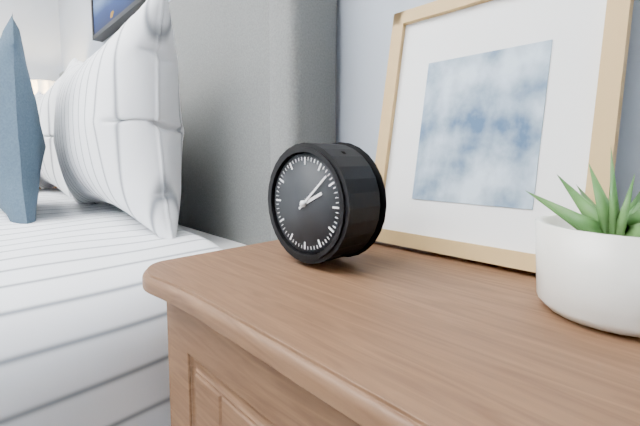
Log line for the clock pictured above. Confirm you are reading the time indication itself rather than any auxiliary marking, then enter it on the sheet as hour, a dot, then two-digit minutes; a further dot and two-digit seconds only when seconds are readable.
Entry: 2.08
